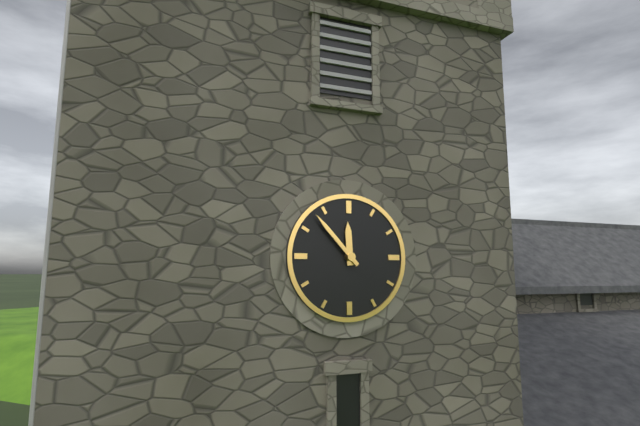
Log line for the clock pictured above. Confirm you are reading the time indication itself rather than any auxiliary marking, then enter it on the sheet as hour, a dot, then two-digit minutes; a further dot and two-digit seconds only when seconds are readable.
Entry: 11.53
